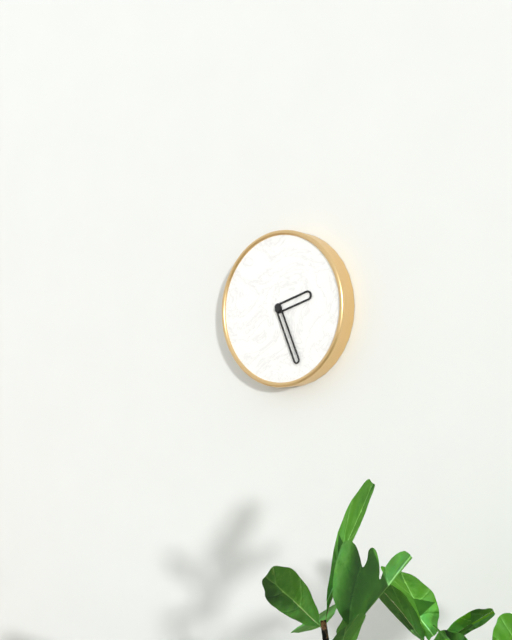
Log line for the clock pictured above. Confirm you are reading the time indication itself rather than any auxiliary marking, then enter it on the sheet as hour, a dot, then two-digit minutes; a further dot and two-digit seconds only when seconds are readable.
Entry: 2.26
